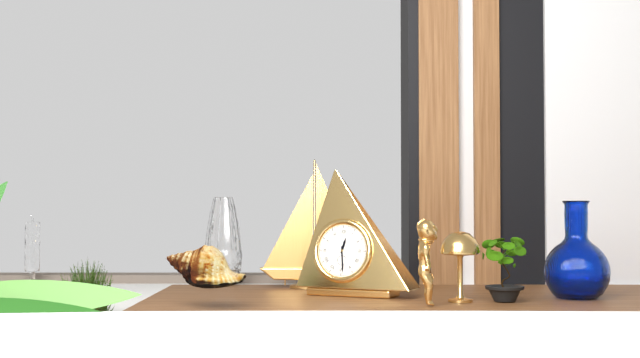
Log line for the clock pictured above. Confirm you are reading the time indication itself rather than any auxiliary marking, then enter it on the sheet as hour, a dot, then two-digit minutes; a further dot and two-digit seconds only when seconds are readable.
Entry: 12.29
